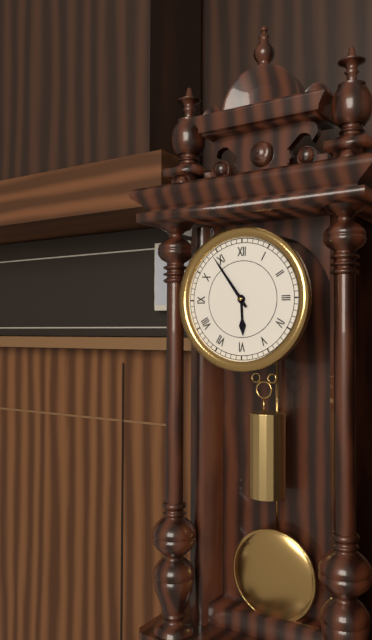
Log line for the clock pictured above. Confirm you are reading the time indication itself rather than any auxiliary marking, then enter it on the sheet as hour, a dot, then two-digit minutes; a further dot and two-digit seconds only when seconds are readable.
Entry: 5.54
